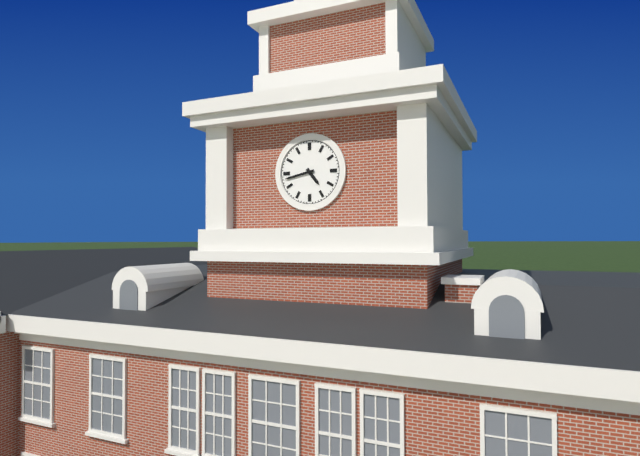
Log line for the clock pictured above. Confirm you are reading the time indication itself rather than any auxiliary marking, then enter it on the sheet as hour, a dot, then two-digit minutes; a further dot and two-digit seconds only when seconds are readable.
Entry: 4.43
